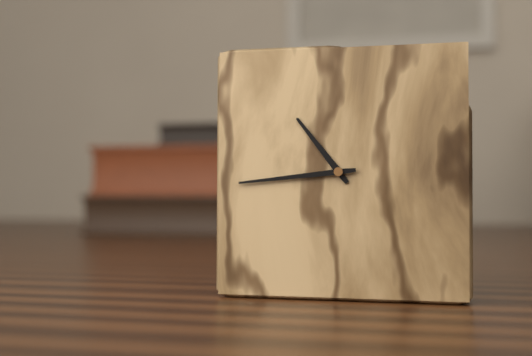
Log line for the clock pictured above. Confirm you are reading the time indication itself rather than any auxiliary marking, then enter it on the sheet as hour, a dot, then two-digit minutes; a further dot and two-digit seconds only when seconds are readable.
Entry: 10.44
